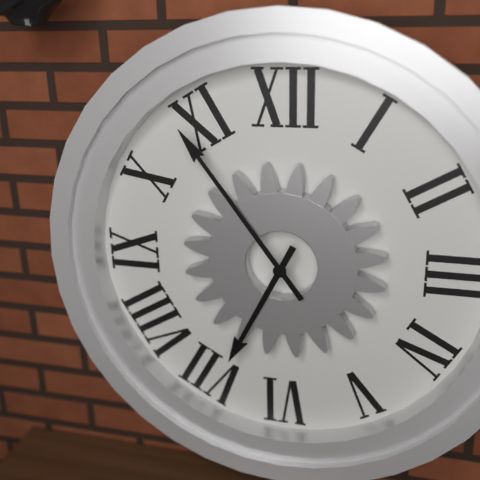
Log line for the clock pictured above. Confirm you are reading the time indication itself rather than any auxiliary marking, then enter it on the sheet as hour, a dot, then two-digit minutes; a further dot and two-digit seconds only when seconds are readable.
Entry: 6.54
